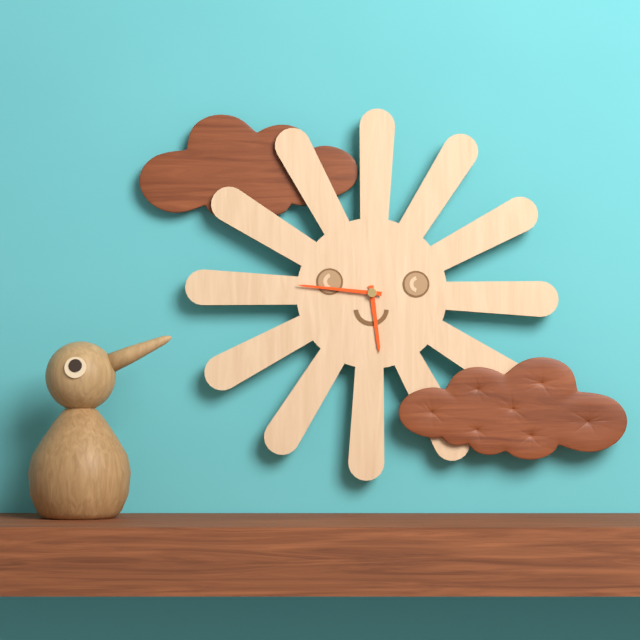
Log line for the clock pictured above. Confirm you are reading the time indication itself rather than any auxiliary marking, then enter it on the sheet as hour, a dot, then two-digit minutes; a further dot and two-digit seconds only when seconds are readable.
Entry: 5.46
